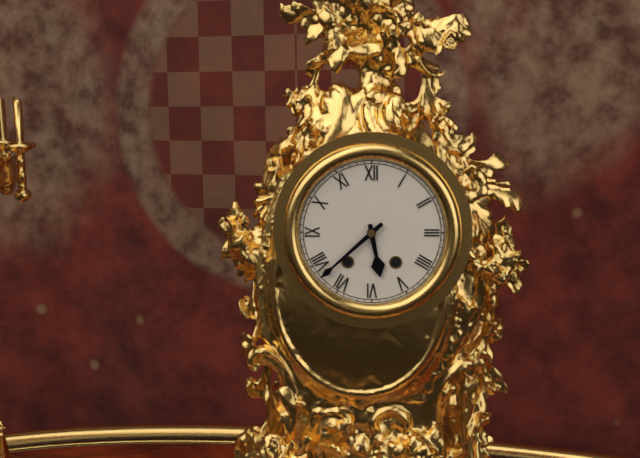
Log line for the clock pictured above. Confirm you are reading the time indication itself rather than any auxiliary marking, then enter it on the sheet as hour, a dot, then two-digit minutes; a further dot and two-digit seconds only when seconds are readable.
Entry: 5.38
